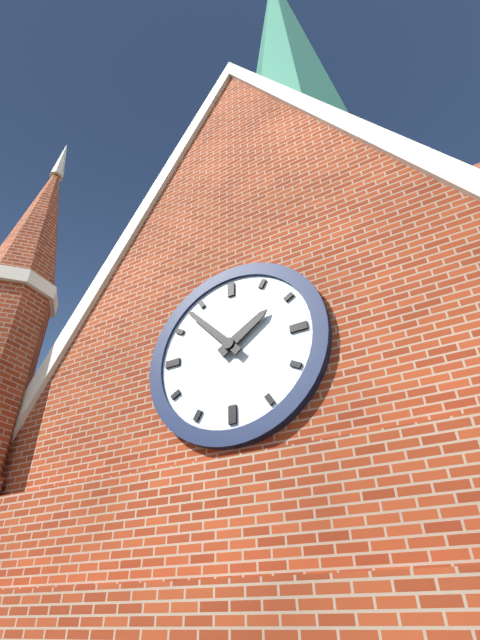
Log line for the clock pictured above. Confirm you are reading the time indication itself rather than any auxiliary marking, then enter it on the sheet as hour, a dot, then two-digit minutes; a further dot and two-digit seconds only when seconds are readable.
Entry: 1.53
